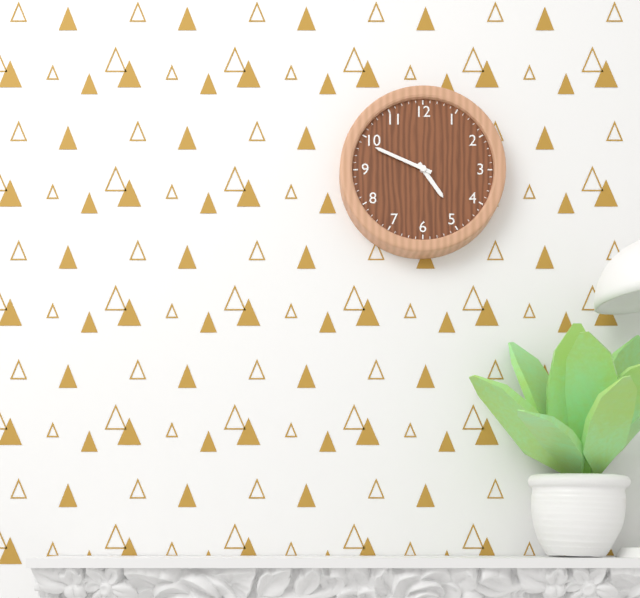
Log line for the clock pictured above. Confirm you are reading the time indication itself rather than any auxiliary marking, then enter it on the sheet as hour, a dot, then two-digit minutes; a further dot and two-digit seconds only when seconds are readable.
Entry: 4.49
